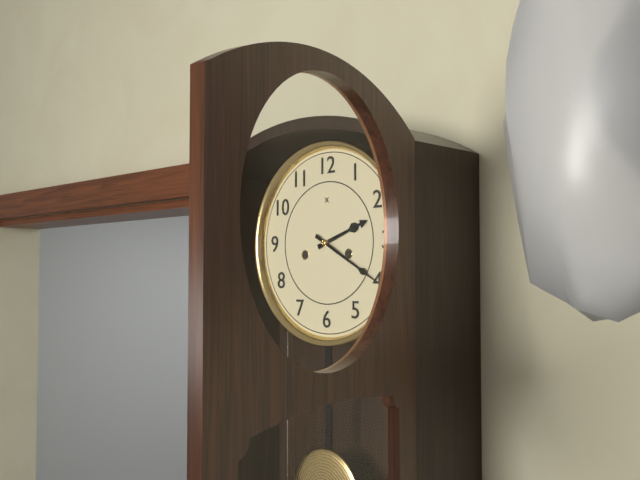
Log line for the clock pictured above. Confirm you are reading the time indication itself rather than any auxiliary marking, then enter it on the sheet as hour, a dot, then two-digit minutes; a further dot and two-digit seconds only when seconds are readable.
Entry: 2.20
